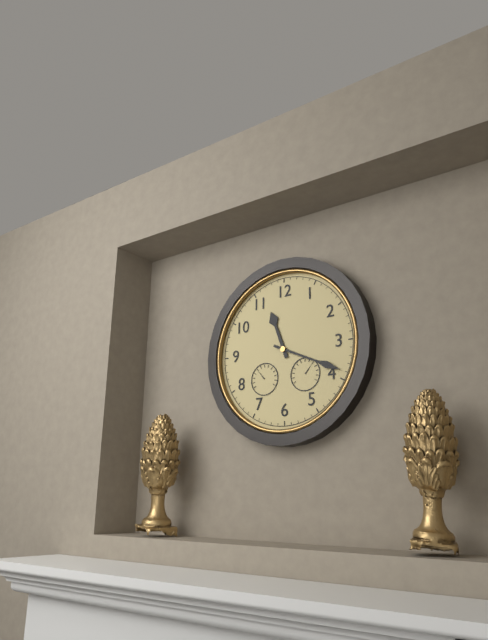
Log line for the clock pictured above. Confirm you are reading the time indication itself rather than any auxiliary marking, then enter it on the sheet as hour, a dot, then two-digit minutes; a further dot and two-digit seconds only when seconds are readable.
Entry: 11.19
